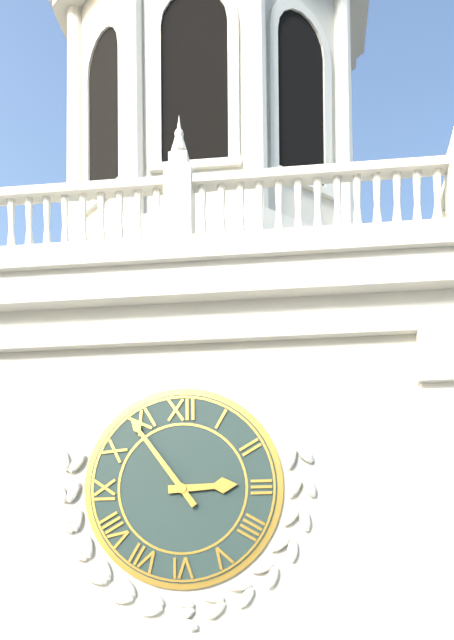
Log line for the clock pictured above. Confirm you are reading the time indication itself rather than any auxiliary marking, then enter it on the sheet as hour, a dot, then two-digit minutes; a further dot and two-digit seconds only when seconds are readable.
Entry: 2.54
